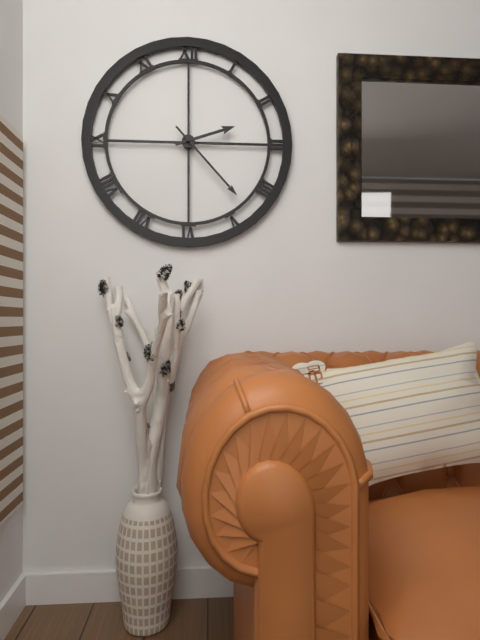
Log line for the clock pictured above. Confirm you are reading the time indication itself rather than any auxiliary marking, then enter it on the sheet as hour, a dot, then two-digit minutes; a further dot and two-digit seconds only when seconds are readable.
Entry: 2.23
